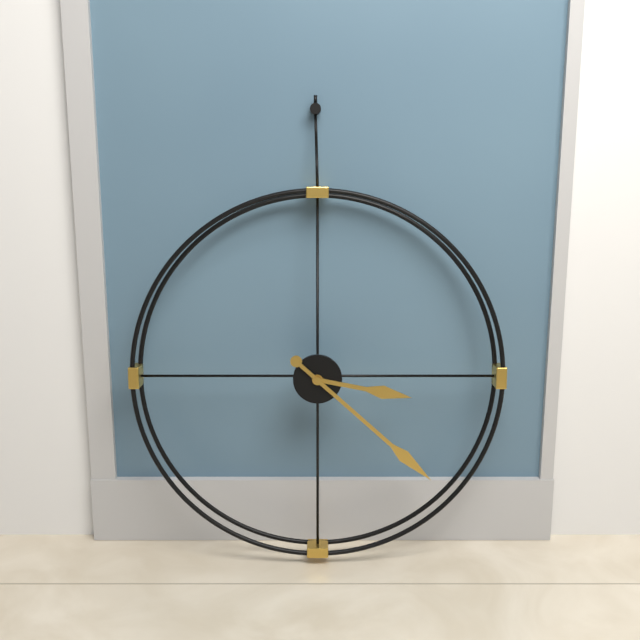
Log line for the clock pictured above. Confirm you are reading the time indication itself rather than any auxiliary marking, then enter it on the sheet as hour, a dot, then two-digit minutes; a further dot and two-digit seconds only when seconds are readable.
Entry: 3.22
